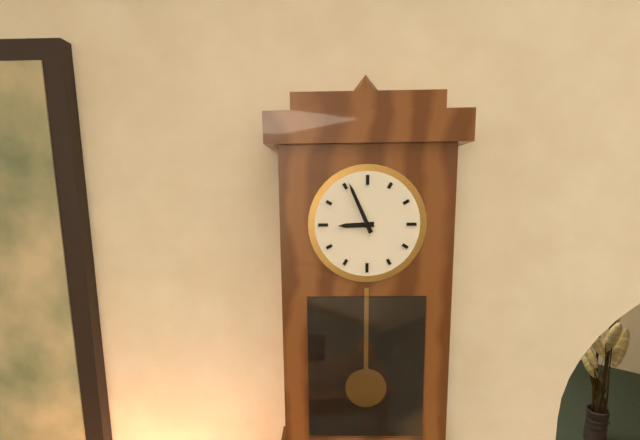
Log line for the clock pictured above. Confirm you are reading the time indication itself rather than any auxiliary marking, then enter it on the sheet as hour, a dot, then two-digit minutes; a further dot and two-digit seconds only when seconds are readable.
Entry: 8.56
